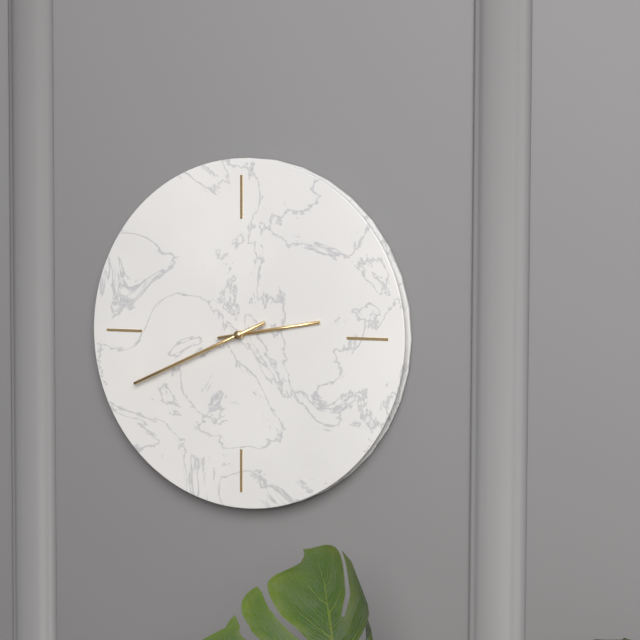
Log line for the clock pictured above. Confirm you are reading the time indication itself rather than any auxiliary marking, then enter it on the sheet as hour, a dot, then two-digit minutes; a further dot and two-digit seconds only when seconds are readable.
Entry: 2.41
